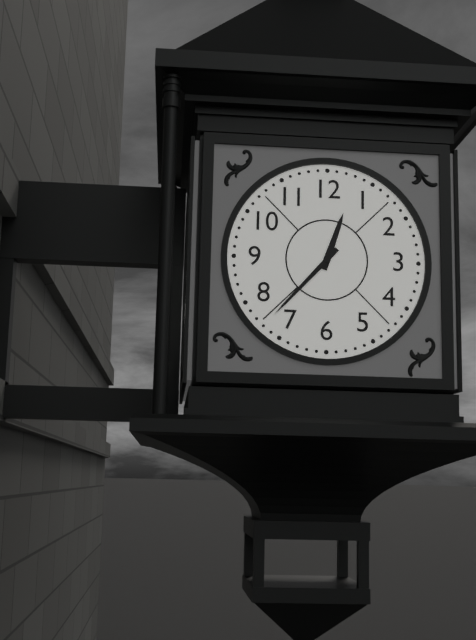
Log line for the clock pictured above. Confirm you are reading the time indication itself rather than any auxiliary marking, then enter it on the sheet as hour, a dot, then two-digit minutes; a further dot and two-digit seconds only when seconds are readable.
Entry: 12.37
